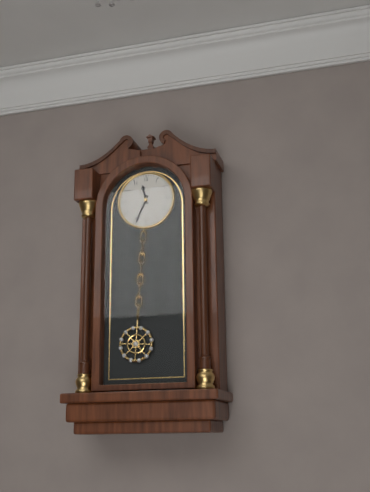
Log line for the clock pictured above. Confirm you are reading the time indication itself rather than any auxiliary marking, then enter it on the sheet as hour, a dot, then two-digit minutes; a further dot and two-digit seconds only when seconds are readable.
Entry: 11.34
